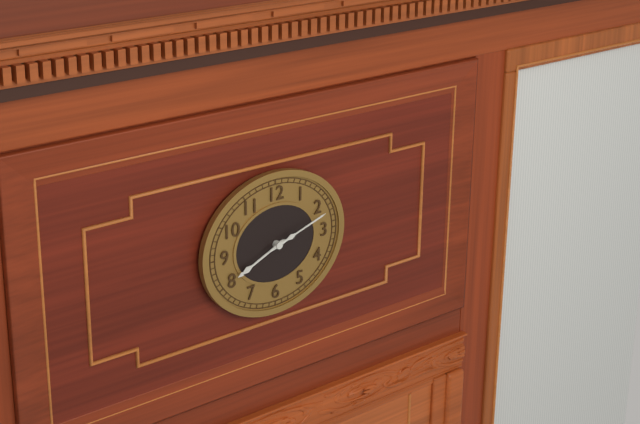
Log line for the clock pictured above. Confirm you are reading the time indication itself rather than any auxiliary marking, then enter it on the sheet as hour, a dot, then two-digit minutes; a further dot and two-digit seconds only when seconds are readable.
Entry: 8.12
